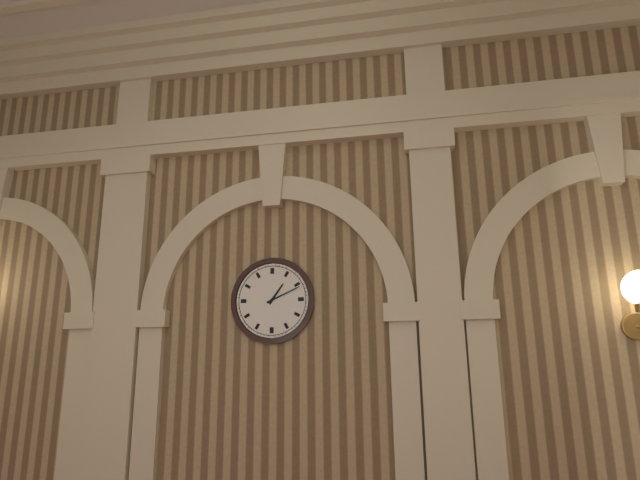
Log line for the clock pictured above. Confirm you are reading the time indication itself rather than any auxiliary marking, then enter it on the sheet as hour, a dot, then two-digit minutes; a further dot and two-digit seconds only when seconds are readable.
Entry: 1.11
